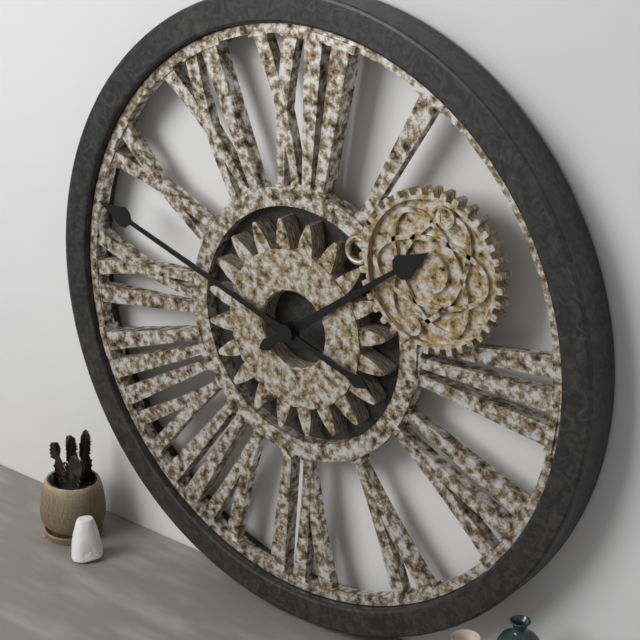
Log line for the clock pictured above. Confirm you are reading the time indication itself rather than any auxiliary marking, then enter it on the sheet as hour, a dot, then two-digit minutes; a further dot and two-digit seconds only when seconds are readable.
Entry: 1.48
